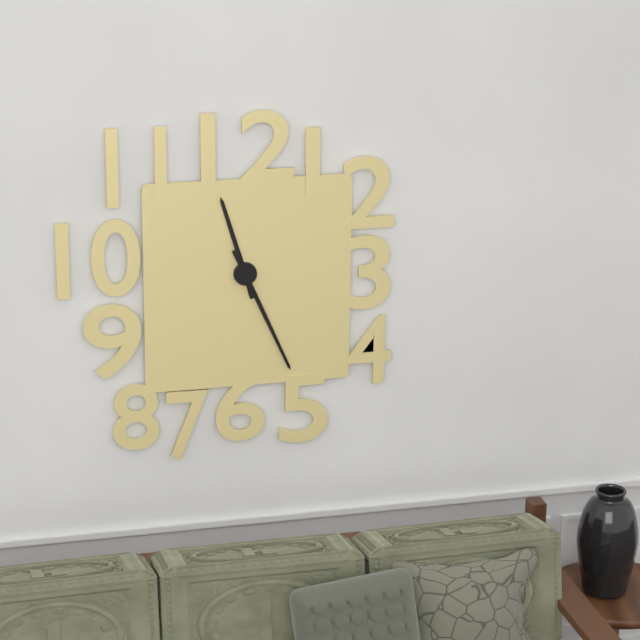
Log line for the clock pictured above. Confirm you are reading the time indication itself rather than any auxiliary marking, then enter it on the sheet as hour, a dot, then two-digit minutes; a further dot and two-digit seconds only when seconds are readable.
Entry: 11.26
